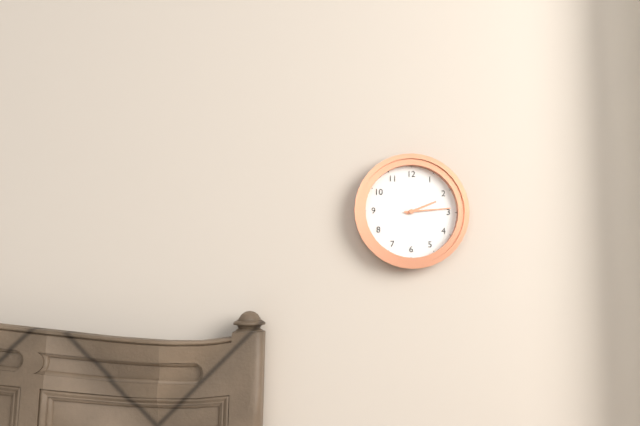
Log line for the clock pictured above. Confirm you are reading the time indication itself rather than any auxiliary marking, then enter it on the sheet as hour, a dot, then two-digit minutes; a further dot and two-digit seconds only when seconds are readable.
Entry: 2.14
